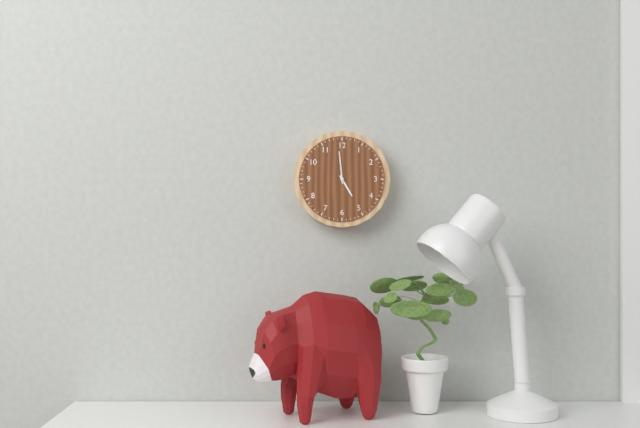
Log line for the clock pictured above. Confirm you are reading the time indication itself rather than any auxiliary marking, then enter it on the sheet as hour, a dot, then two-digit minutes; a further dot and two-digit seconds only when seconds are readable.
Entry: 4.59
